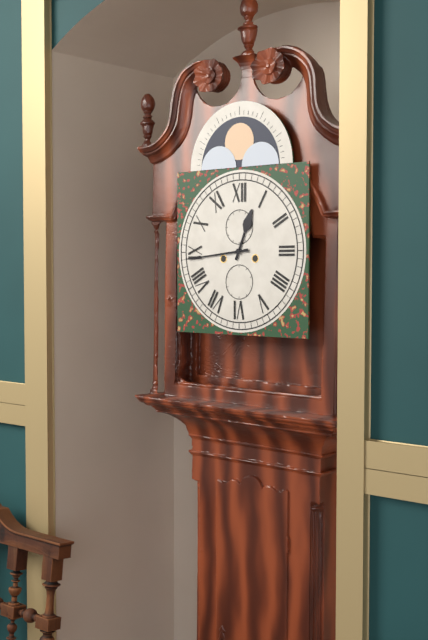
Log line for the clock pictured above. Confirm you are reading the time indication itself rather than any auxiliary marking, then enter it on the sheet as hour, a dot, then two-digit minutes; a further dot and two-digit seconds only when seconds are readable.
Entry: 12.44
